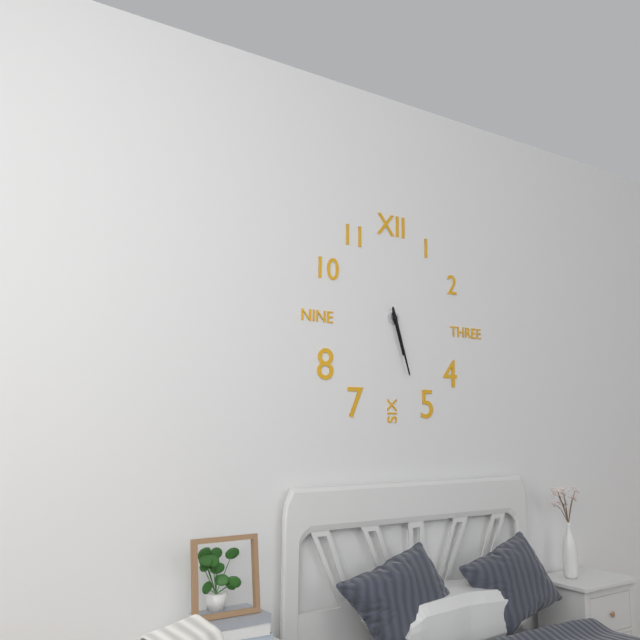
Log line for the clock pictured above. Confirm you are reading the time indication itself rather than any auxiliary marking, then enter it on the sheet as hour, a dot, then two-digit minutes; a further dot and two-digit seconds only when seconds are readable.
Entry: 5.27
